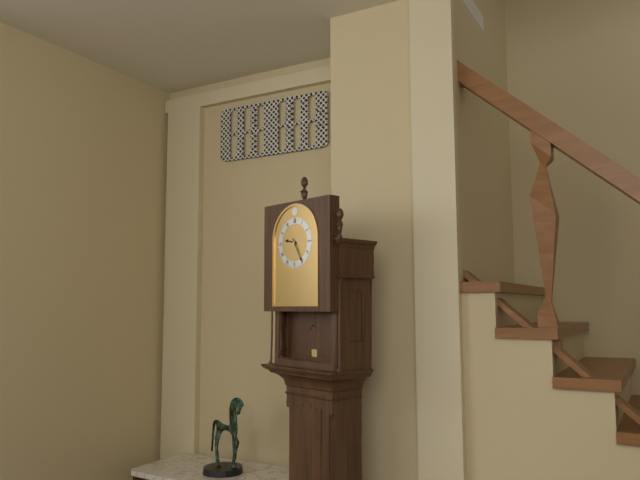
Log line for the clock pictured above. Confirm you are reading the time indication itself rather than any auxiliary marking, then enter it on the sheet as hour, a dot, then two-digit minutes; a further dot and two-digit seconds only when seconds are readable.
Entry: 9.25
